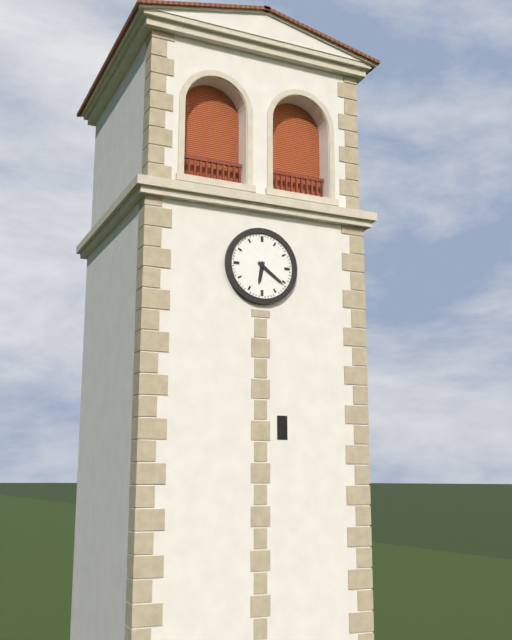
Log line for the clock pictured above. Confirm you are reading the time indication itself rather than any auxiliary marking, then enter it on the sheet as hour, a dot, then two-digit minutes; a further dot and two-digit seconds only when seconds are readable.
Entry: 6.21
